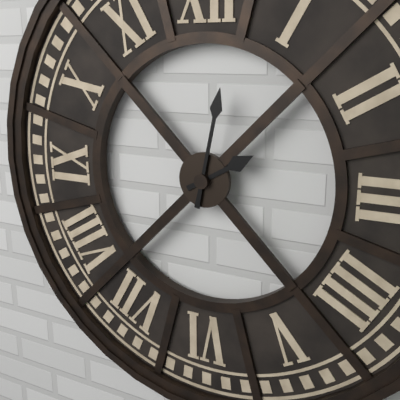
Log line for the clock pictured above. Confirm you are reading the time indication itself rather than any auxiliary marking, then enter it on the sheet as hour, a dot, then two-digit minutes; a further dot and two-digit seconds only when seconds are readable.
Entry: 2.02
